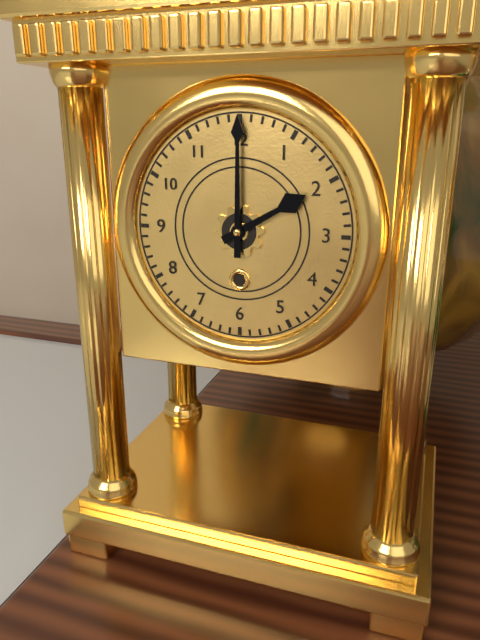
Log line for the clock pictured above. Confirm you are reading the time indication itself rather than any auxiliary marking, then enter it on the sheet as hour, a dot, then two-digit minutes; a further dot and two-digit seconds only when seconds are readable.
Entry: 2.00
